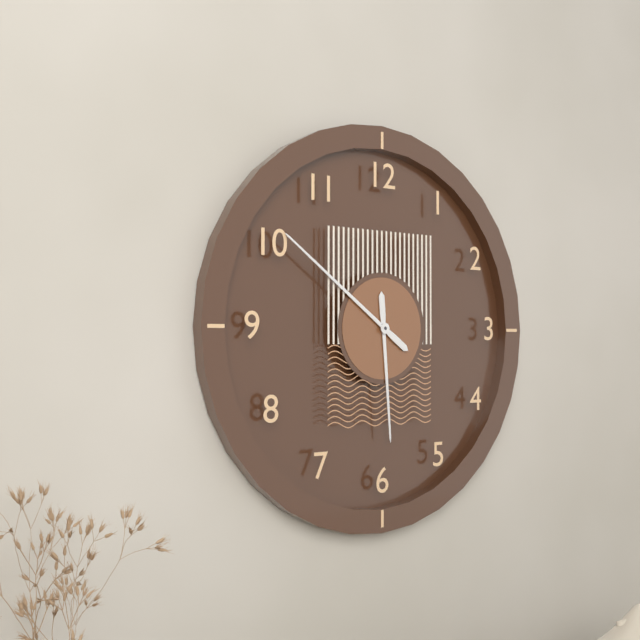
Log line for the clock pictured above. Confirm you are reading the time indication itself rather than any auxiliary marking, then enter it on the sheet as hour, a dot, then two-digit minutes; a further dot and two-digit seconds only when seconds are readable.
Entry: 5.51
